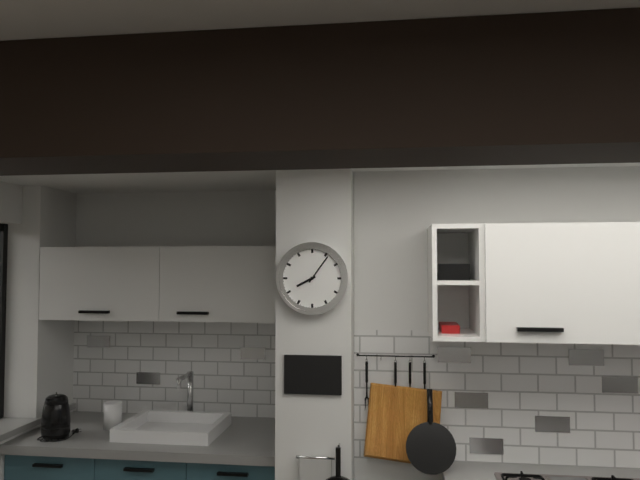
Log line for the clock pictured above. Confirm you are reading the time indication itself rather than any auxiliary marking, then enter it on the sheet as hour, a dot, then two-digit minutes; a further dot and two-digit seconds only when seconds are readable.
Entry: 8.06
